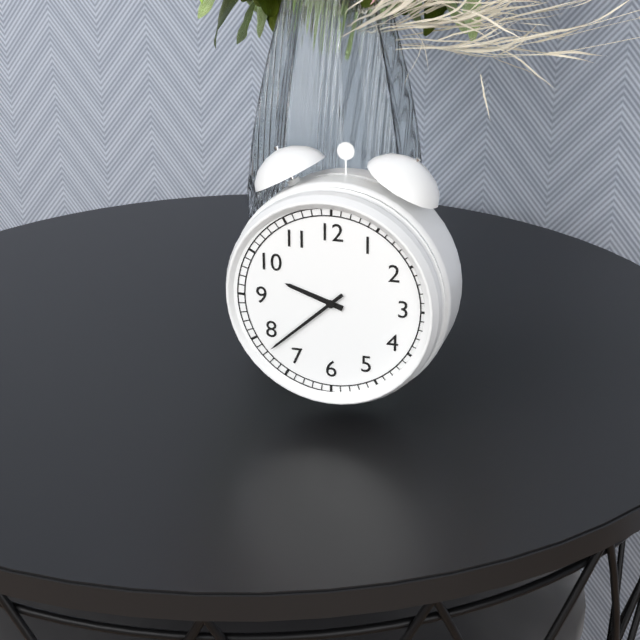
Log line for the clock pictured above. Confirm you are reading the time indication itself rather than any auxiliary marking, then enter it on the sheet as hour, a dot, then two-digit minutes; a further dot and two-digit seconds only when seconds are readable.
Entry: 9.38
